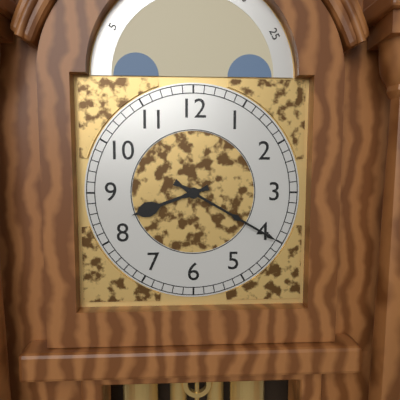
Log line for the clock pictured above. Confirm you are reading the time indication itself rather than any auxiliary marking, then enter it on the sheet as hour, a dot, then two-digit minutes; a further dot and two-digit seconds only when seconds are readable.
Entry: 8.20
